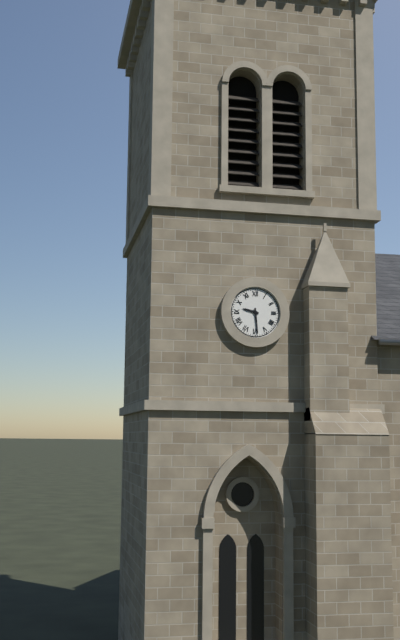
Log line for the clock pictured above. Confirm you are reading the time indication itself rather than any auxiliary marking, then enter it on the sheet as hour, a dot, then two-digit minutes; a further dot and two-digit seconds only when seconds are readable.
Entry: 9.29
